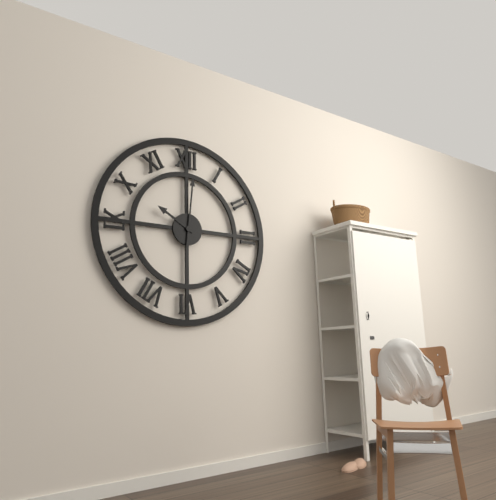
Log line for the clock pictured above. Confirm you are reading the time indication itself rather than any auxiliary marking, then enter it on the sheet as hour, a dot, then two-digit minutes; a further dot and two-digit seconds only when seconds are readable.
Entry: 10.01
